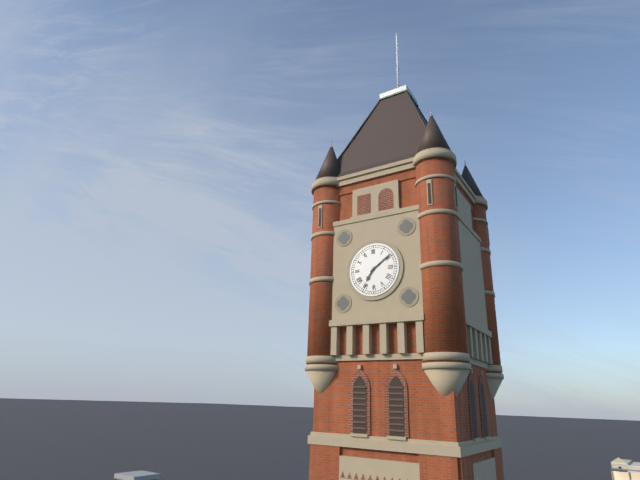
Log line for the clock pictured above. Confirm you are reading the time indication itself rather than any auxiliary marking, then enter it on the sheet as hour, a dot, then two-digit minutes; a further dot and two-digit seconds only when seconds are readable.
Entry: 7.09
